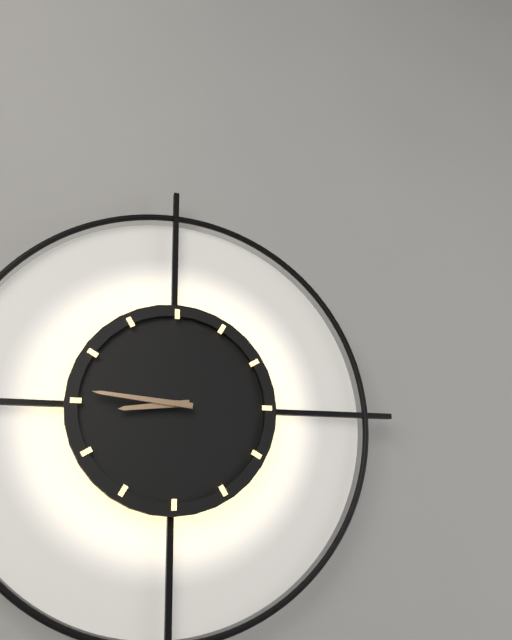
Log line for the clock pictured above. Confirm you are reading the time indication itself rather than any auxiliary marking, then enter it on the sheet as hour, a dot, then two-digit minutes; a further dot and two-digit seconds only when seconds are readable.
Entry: 8.46
